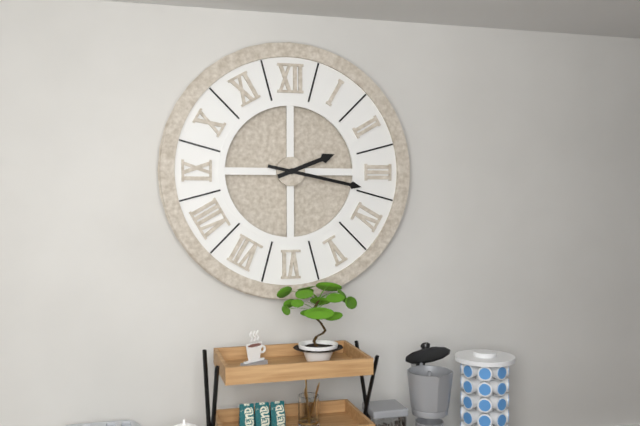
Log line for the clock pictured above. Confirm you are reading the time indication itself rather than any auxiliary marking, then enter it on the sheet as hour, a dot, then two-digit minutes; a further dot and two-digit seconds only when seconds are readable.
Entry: 2.17
